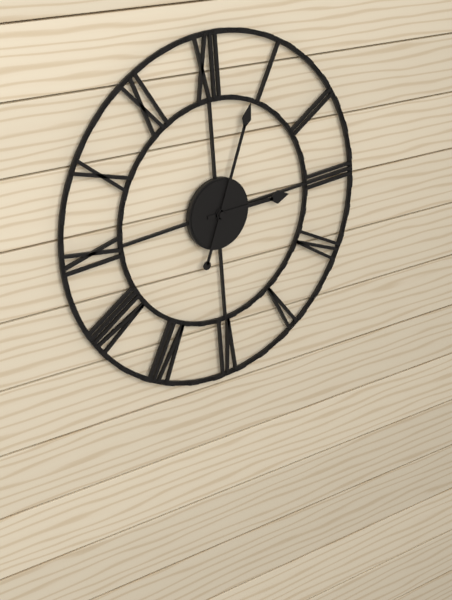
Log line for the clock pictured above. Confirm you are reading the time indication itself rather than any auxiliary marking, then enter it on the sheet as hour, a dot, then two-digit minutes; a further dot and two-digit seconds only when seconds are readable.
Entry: 3.04
